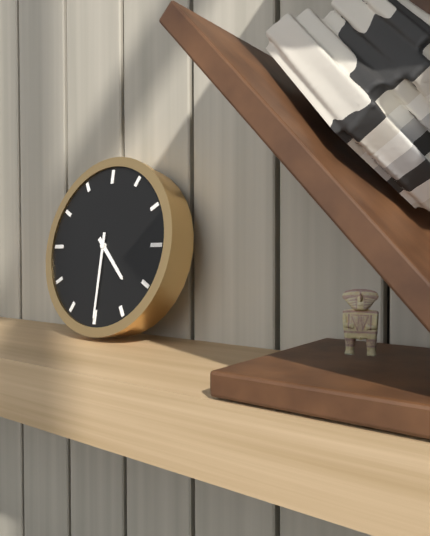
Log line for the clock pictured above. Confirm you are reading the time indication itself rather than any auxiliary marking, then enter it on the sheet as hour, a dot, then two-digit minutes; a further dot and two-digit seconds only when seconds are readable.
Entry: 4.30
